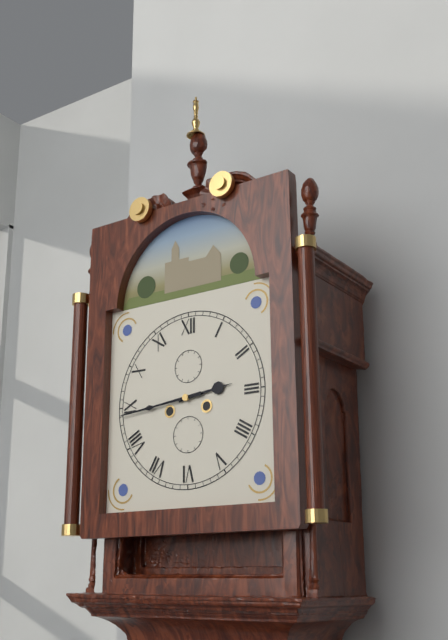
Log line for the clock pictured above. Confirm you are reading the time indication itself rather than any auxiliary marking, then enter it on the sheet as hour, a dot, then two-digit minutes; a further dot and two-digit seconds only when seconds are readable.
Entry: 2.44
